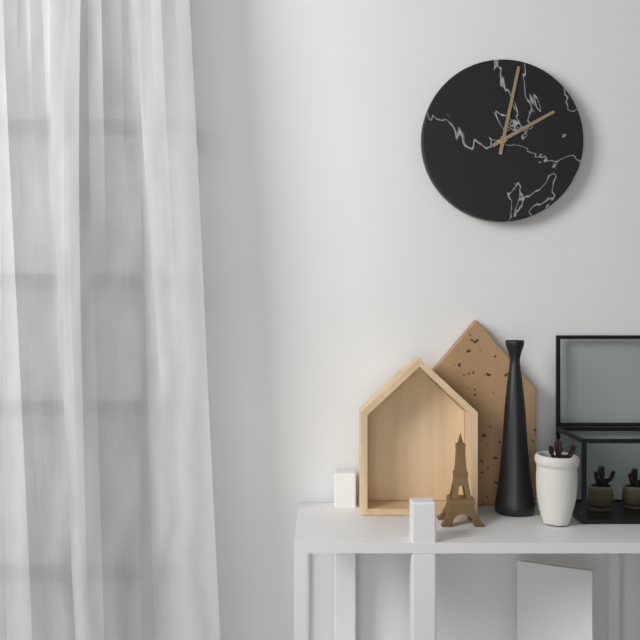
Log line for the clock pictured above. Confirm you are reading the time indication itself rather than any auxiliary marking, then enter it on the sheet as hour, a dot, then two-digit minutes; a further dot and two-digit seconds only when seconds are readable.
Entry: 2.02
